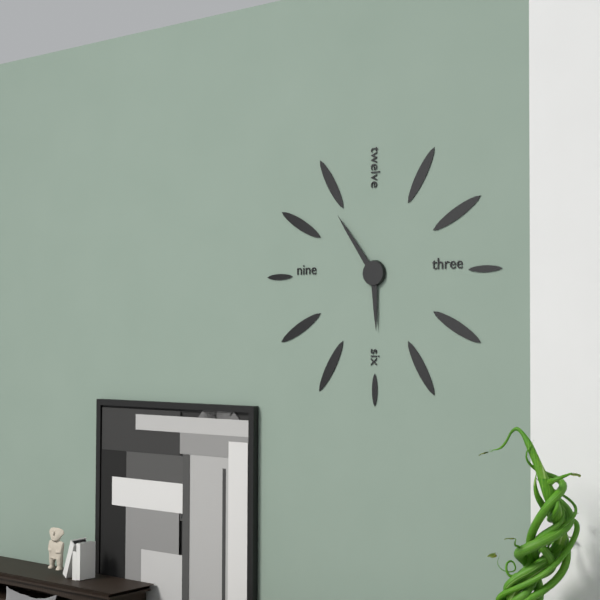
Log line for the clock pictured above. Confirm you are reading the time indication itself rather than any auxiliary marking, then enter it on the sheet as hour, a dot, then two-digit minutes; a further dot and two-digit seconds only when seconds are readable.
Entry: 5.54
